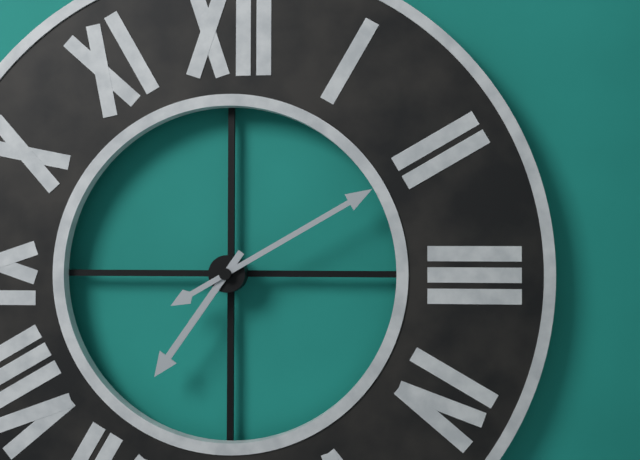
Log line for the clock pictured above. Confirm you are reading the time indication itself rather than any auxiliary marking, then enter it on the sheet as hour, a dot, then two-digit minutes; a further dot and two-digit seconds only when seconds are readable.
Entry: 7.10
